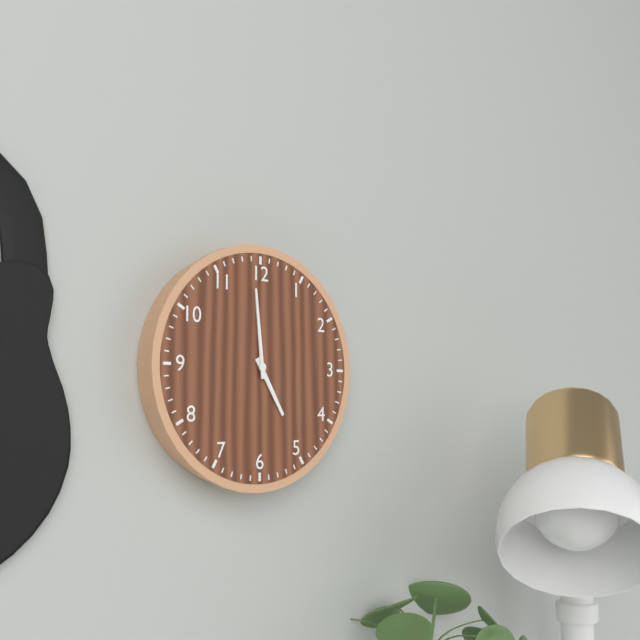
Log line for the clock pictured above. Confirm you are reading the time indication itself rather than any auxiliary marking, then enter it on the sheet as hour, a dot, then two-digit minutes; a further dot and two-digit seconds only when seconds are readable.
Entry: 4.59
